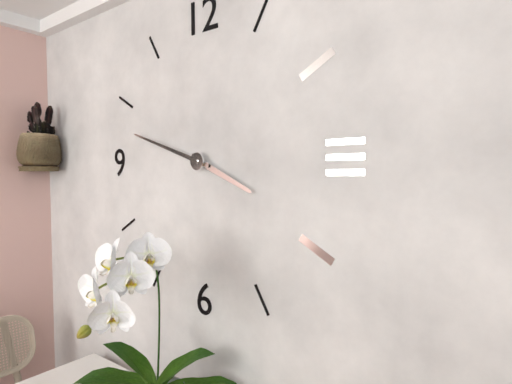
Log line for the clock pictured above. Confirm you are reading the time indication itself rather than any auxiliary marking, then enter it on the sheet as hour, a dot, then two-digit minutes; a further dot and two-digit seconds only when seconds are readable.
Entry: 3.48
